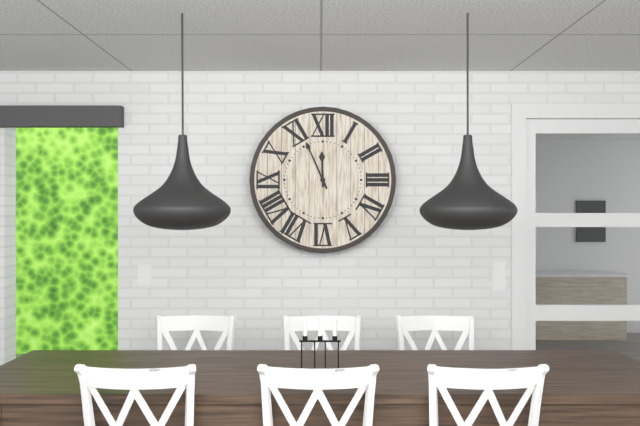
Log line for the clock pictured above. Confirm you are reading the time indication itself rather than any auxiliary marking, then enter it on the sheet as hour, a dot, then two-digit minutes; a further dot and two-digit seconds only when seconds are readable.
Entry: 11.56
